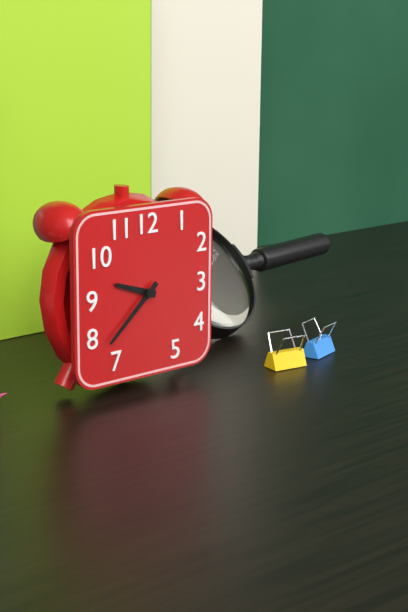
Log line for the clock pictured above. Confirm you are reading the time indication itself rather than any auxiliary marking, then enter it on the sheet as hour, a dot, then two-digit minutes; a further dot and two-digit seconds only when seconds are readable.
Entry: 9.38
